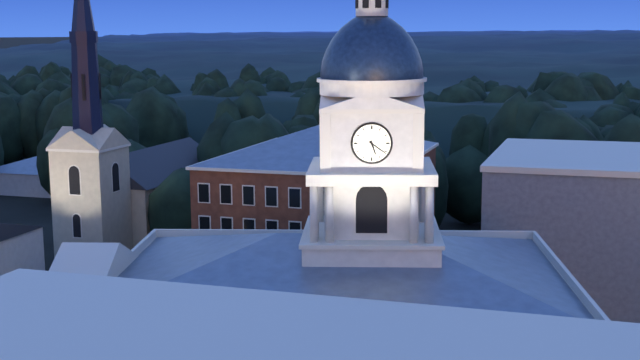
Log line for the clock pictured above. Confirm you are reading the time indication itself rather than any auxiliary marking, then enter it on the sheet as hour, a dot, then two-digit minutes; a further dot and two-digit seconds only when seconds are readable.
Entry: 5.21
